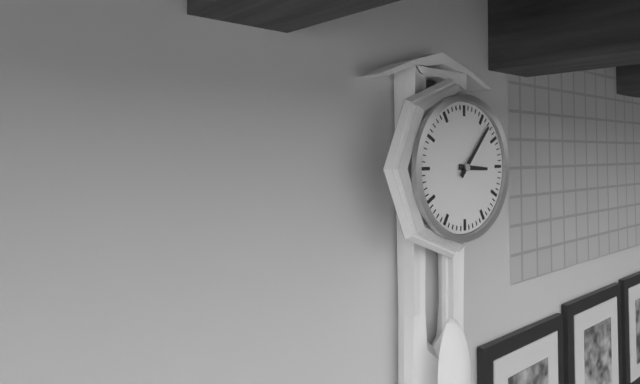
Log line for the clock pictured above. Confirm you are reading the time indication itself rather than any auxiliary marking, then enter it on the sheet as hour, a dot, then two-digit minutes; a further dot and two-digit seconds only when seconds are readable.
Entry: 3.07
